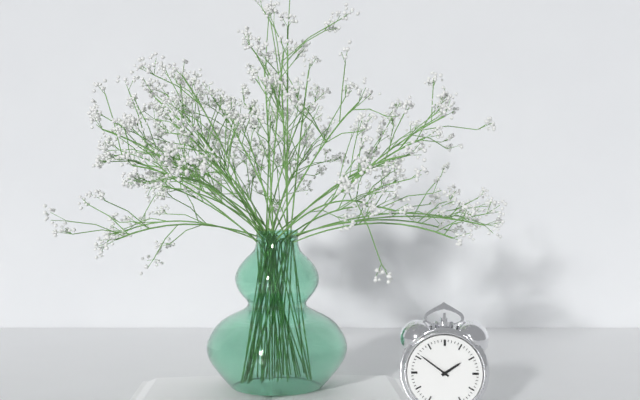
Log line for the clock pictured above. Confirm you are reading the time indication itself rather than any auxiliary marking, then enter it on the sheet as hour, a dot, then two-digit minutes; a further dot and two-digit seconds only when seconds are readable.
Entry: 1.51
